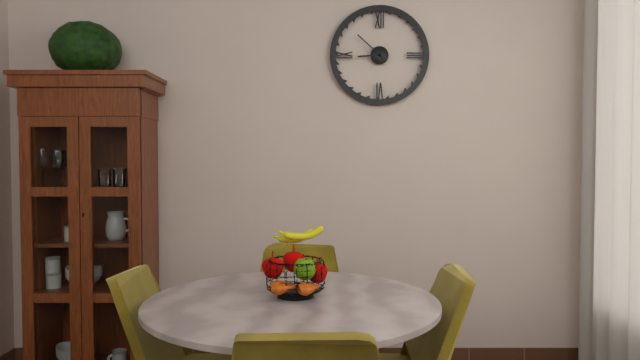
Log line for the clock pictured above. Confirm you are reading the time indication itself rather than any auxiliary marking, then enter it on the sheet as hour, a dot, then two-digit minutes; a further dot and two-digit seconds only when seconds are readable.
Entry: 8.52
